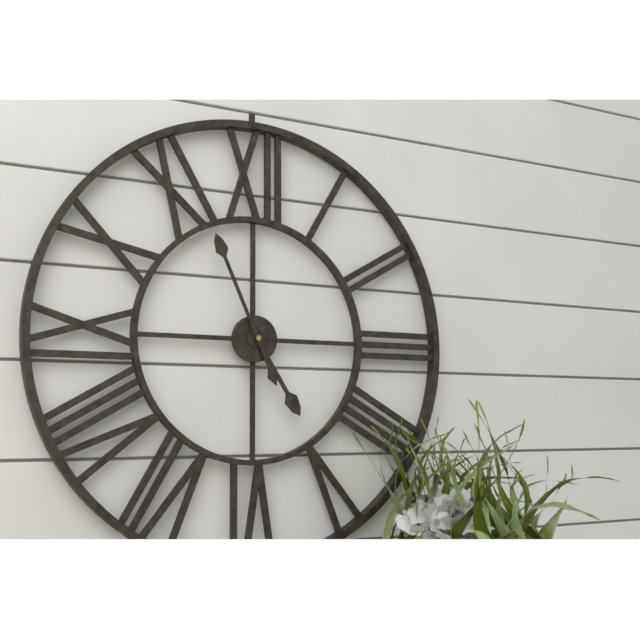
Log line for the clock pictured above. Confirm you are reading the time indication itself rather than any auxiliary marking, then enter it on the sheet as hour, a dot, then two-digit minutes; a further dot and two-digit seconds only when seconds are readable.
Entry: 4.56
